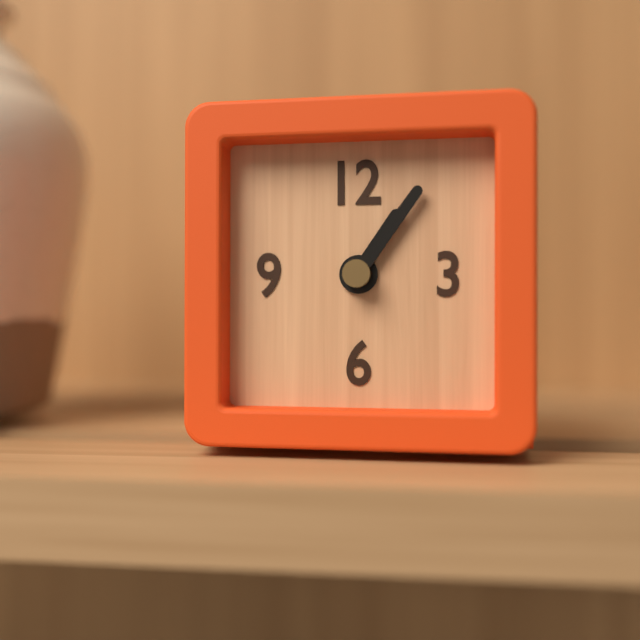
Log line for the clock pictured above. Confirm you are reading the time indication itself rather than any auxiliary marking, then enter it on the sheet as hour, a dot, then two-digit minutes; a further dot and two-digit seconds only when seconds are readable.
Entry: 1.06
